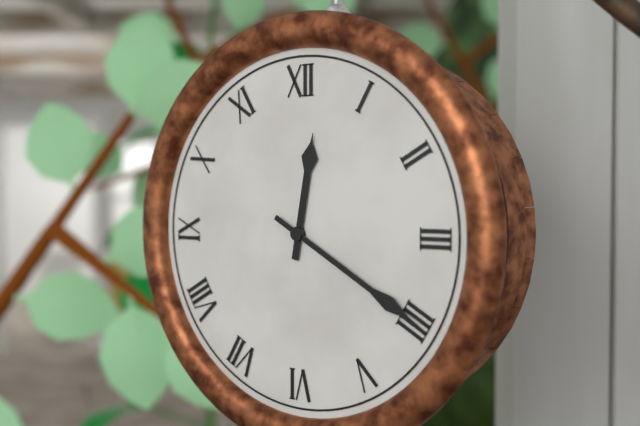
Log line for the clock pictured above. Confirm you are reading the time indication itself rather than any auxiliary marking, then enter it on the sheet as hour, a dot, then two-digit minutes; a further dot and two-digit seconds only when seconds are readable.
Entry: 12.20
